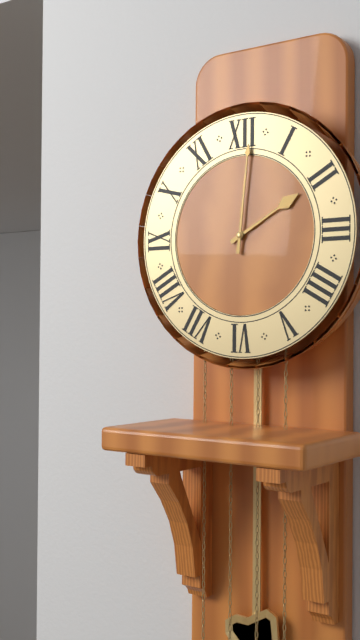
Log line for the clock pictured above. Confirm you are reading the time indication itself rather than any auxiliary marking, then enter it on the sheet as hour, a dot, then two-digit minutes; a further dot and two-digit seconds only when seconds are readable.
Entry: 2.01
